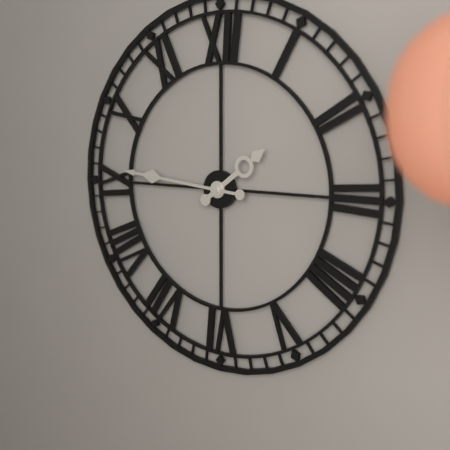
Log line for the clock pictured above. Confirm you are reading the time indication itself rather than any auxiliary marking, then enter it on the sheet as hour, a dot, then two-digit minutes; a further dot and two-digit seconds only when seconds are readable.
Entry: 1.46
